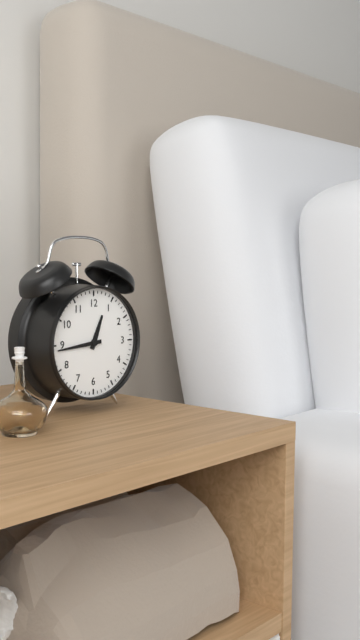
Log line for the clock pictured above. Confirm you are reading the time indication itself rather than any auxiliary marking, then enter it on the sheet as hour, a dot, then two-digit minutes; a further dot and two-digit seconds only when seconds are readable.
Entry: 12.44
